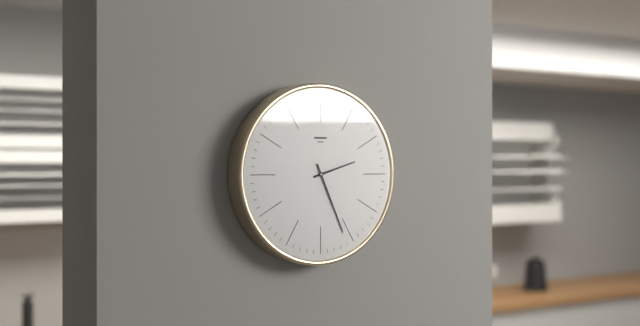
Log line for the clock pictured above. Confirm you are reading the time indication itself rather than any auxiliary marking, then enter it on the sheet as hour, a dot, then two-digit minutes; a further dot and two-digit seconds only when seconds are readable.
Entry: 2.26
